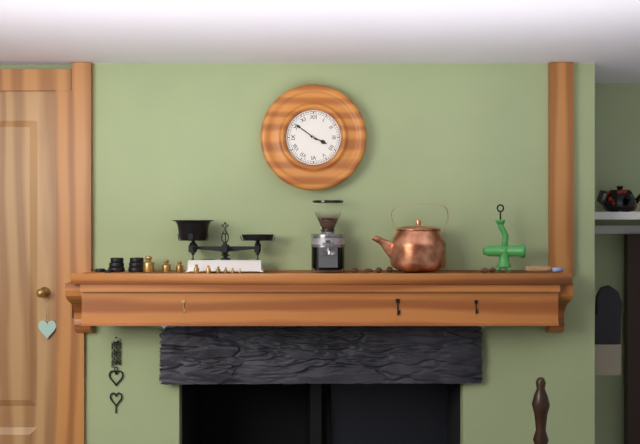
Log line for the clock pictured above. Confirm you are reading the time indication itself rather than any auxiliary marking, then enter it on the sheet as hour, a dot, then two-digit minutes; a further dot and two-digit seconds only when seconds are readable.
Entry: 3.51
